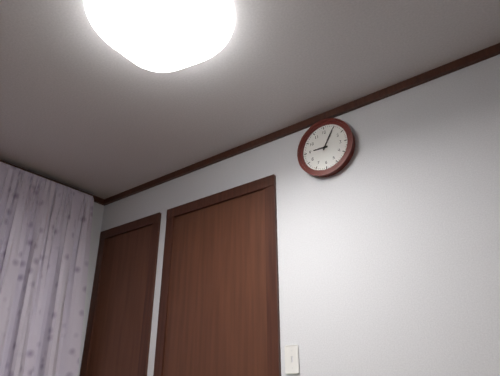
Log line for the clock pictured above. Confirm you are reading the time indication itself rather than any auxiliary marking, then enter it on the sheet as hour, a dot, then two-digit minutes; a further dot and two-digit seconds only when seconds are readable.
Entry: 9.05
